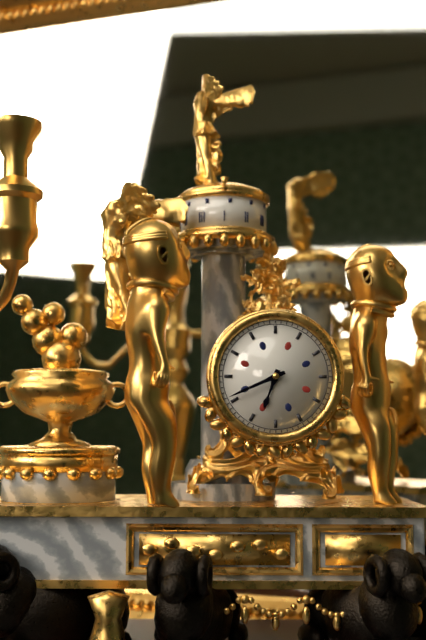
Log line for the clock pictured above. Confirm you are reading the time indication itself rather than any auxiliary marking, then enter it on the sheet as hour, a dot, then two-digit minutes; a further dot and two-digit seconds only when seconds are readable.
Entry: 6.41
